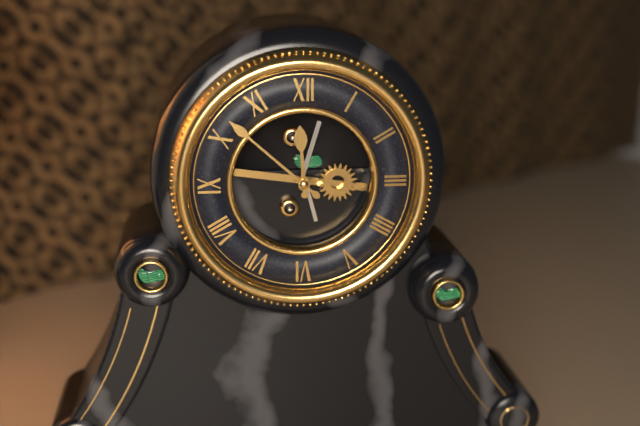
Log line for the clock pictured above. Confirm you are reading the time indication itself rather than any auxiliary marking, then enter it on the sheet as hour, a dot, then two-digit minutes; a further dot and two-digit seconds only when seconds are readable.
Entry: 11.52
